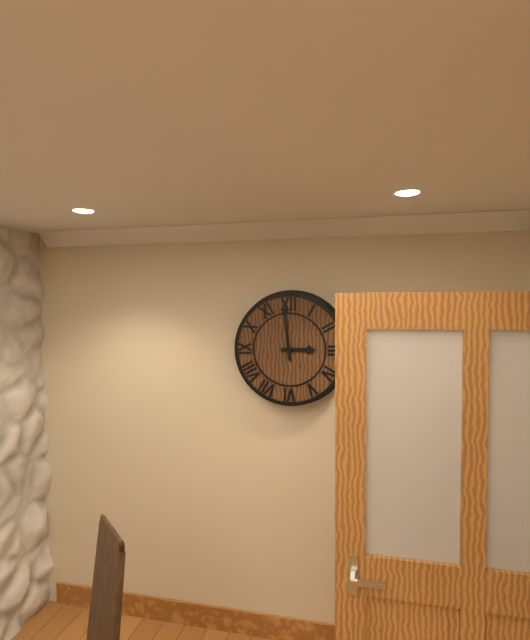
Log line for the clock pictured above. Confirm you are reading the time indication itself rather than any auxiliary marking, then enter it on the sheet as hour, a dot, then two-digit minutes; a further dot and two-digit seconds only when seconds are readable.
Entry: 2.59
